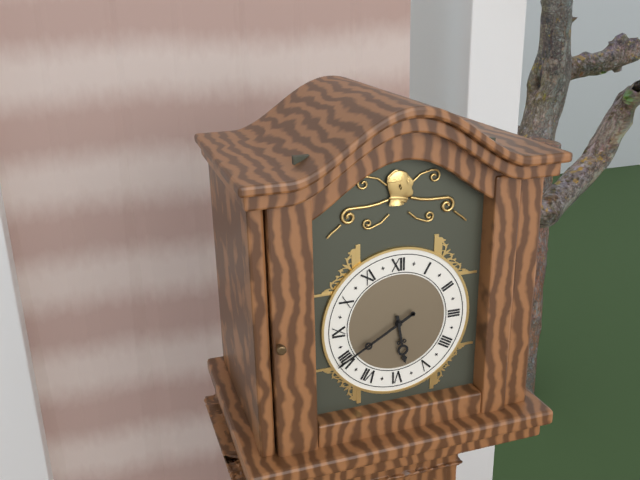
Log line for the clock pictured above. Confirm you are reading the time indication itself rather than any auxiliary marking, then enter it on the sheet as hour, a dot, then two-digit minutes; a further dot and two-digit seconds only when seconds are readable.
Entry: 5.40
